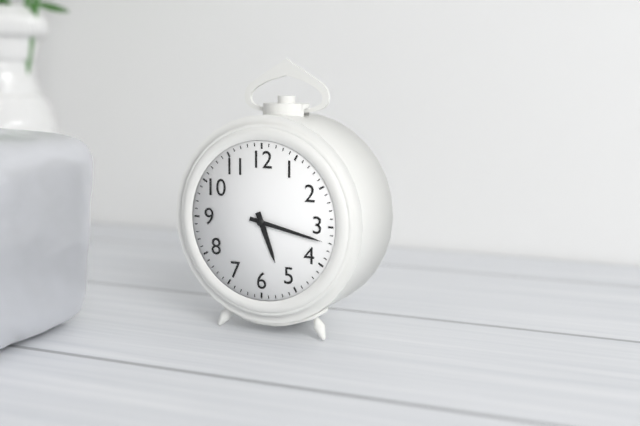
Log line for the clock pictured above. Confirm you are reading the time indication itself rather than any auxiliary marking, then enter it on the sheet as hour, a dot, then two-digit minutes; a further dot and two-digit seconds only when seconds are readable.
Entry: 5.17
